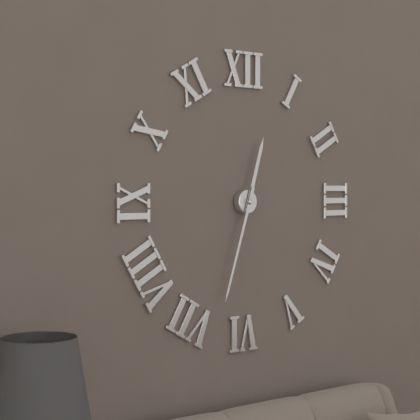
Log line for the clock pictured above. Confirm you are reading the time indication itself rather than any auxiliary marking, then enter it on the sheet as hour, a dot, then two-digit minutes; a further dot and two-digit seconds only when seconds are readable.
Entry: 12.33
